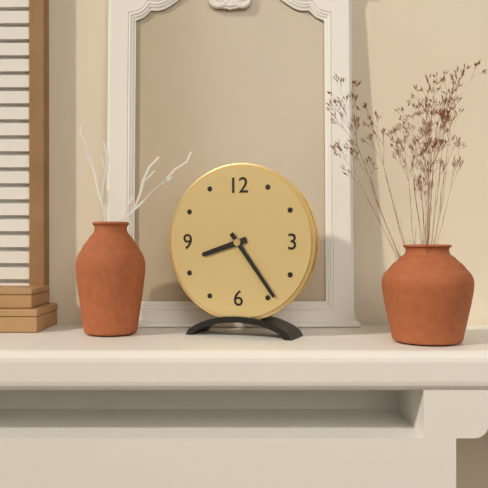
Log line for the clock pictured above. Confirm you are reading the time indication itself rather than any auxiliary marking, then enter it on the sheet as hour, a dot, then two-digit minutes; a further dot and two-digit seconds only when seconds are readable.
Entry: 8.24
